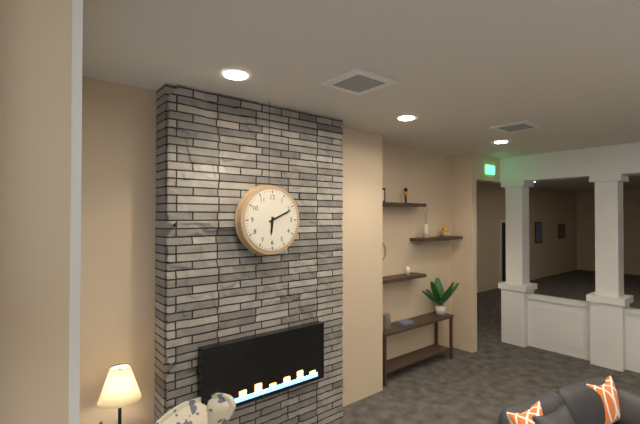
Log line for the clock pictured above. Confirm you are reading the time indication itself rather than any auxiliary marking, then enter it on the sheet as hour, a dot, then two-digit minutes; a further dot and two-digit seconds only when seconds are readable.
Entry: 6.11
